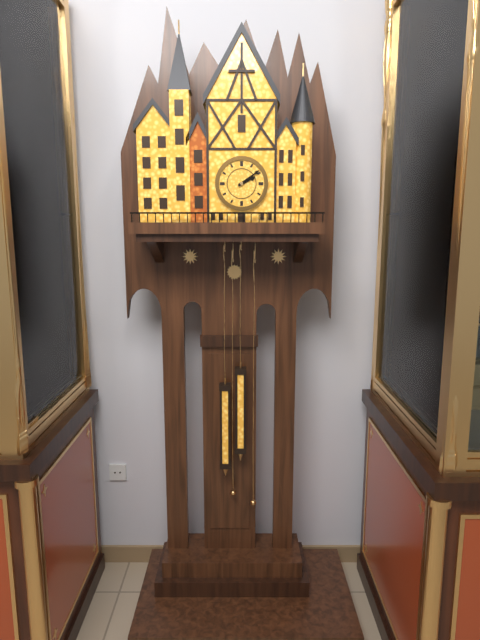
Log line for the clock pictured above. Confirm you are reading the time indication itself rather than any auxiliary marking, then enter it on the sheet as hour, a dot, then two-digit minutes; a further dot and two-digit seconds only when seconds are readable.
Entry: 2.09
